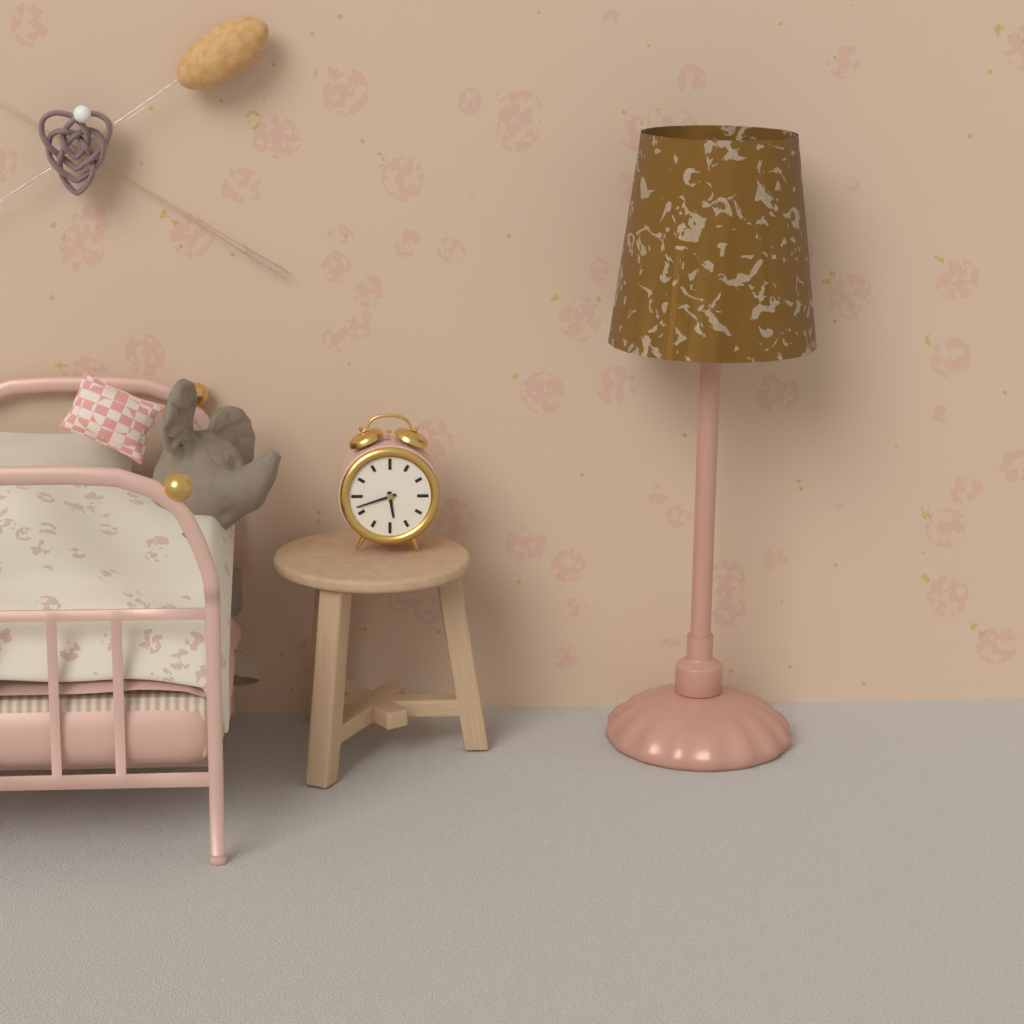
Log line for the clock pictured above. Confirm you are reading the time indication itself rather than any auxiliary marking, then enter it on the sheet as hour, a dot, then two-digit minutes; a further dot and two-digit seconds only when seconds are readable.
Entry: 5.42
